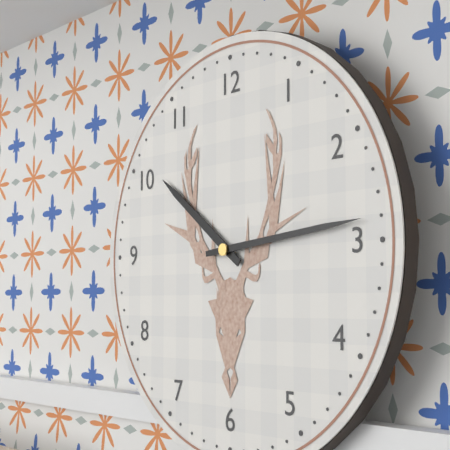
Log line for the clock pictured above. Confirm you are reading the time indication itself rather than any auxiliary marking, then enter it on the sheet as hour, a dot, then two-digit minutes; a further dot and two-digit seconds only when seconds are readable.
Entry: 10.14
